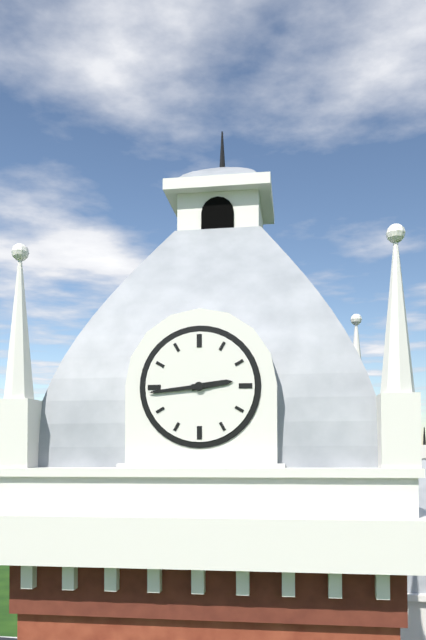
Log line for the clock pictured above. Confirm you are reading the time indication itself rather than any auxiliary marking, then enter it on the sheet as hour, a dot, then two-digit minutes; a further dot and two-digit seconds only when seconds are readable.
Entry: 2.44
